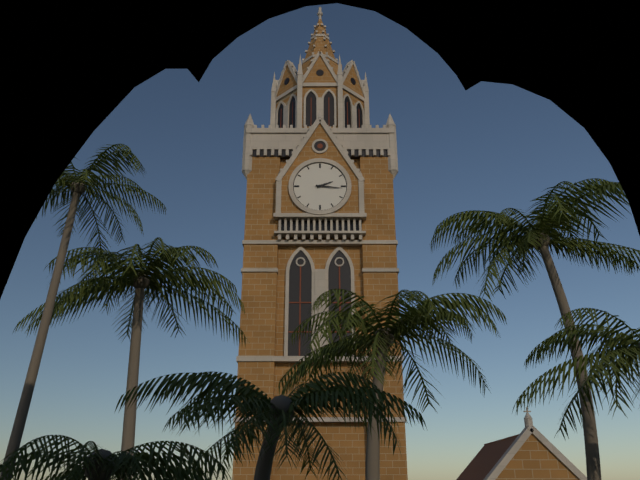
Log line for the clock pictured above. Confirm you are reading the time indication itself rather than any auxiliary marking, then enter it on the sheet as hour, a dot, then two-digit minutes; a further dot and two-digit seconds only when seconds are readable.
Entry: 2.16
